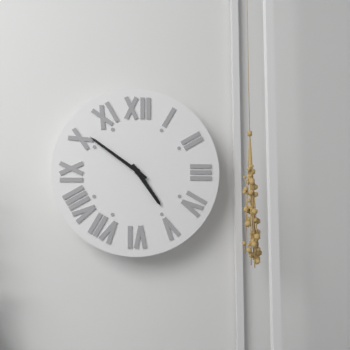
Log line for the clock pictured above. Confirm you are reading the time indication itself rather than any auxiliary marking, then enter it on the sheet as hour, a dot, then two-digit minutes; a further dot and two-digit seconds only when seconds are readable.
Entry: 4.51
